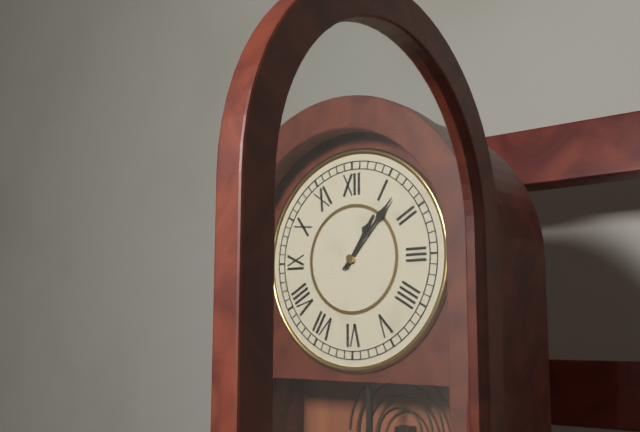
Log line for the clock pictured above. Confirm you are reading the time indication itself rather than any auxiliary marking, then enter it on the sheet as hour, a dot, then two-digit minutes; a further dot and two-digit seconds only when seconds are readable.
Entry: 1.07
